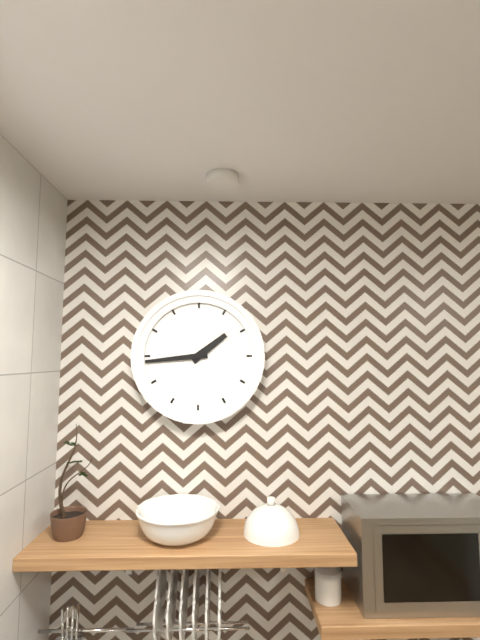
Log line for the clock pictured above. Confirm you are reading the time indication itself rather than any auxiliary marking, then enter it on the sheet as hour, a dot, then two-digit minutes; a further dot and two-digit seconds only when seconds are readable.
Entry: 1.44
